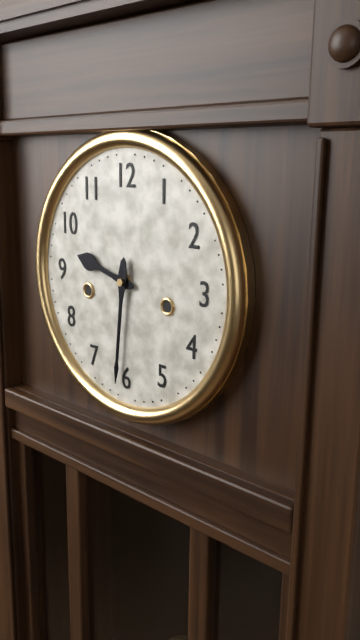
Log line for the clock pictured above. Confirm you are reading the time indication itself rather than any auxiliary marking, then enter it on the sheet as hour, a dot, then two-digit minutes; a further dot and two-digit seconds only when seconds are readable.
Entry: 9.31
